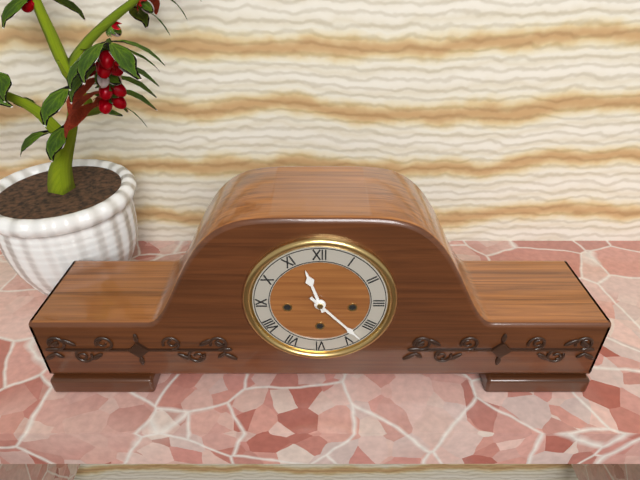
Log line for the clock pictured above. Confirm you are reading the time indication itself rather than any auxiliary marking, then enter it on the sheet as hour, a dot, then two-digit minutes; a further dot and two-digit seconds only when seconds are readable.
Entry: 11.23
